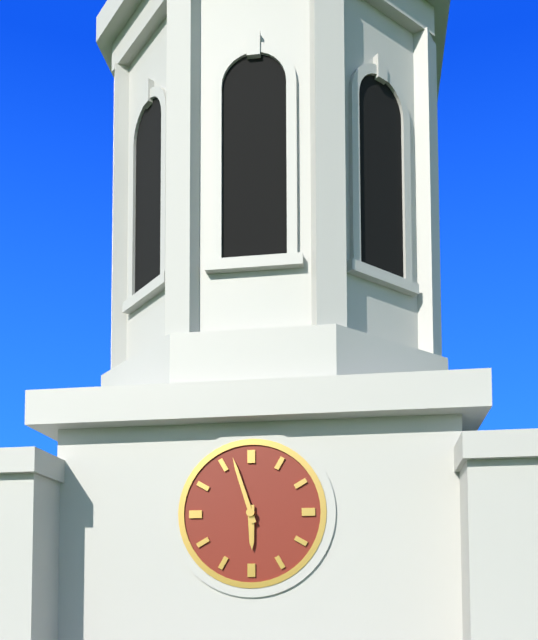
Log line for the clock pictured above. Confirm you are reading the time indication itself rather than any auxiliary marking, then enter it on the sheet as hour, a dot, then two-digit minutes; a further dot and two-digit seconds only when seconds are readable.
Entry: 5.57
